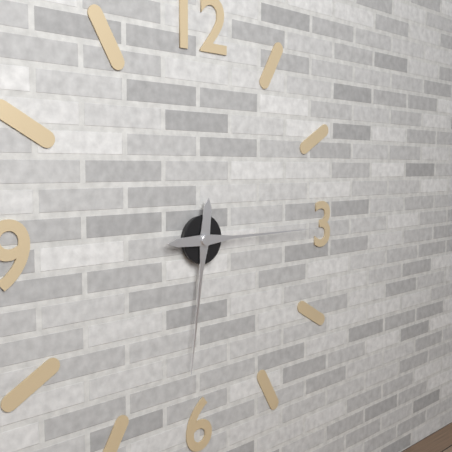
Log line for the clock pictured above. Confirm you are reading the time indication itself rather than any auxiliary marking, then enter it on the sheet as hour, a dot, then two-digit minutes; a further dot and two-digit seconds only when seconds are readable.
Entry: 6.15
